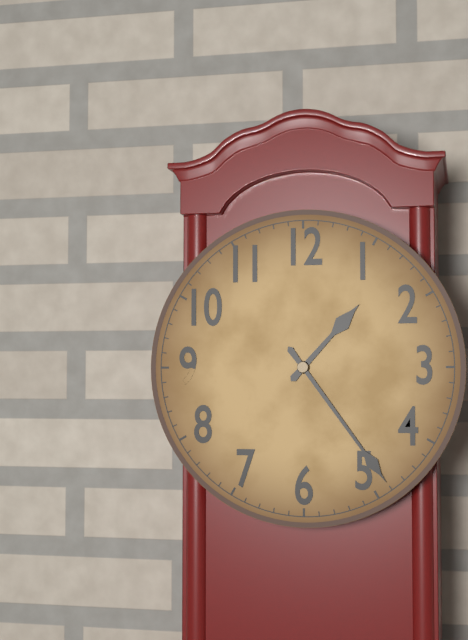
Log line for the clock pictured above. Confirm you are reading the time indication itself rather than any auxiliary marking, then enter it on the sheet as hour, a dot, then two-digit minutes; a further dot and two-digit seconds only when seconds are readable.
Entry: 1.24
